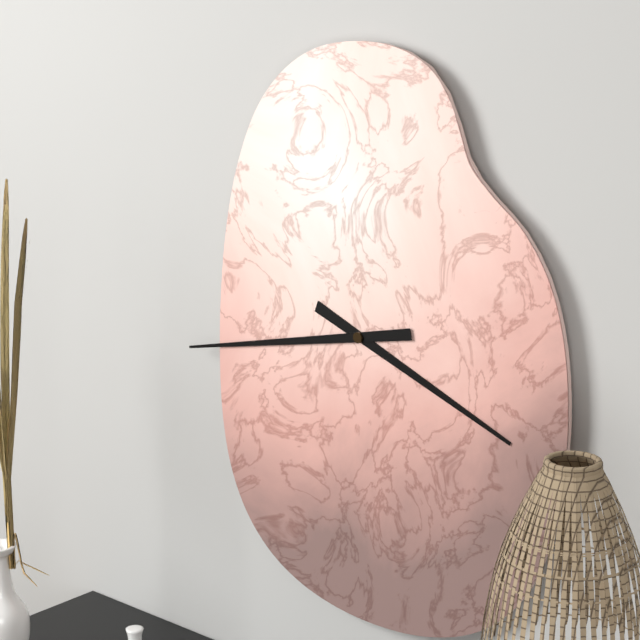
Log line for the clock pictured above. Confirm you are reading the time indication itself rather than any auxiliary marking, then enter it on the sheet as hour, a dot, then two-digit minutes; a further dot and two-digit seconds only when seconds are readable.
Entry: 3.43
